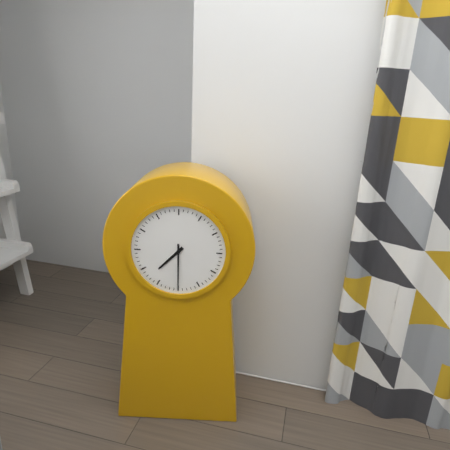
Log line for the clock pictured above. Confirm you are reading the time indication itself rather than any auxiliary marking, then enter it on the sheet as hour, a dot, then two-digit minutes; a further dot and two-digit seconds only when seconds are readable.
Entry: 7.30
